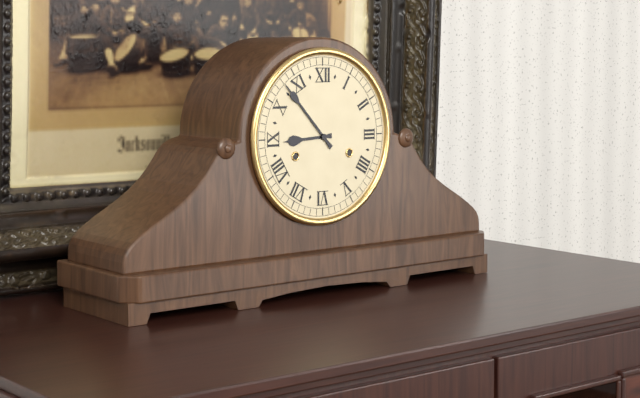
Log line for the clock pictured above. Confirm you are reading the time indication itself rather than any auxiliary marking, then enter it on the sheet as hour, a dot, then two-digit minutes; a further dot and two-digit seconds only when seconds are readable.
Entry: 8.53
